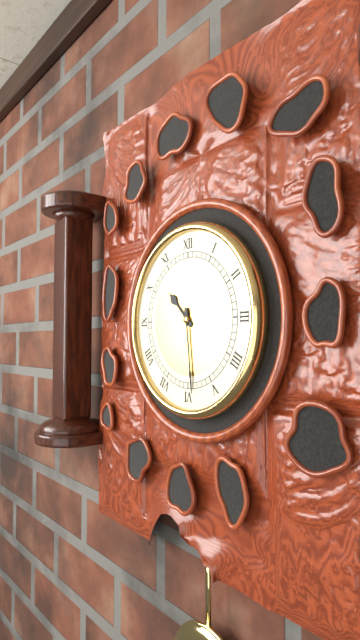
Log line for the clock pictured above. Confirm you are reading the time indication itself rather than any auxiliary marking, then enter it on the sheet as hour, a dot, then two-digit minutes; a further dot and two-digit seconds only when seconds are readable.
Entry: 10.29
